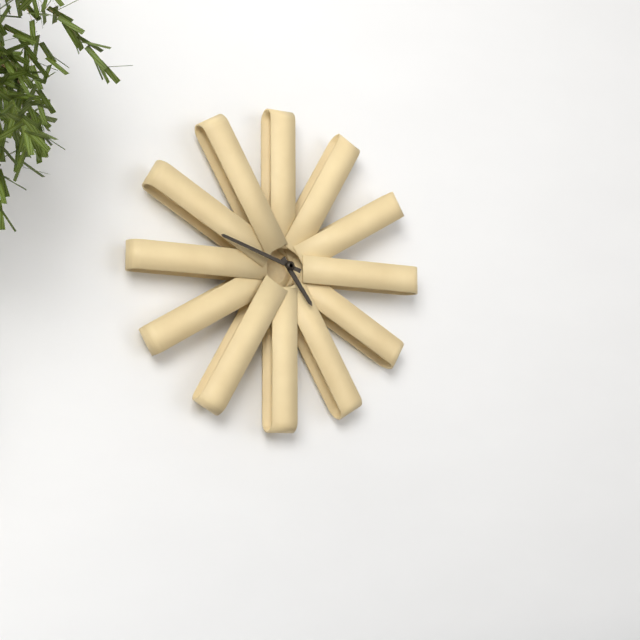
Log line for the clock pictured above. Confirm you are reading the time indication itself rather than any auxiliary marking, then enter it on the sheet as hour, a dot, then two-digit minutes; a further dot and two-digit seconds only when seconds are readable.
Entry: 4.48
